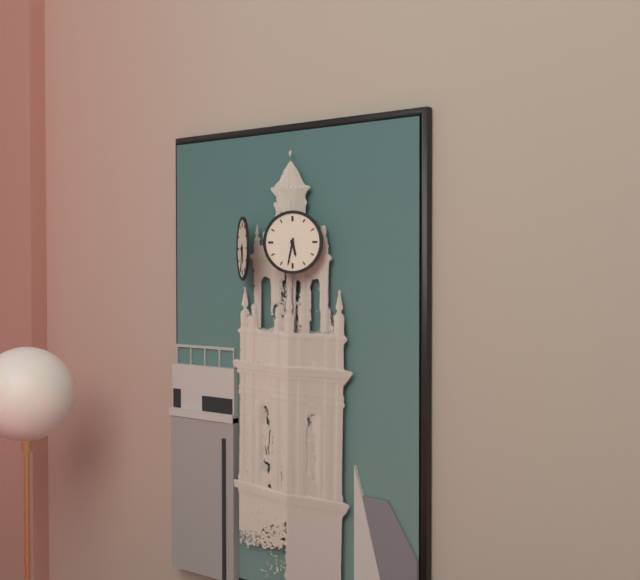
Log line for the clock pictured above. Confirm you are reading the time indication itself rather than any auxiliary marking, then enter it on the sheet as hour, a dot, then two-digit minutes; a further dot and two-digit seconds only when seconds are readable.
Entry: 5.32
